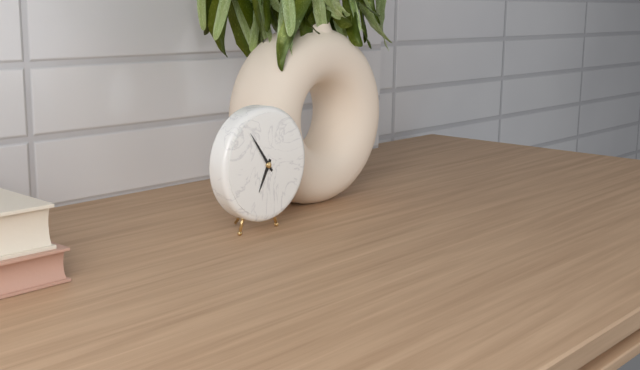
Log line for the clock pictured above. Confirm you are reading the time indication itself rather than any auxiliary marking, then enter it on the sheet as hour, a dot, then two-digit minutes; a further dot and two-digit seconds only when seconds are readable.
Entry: 6.54
